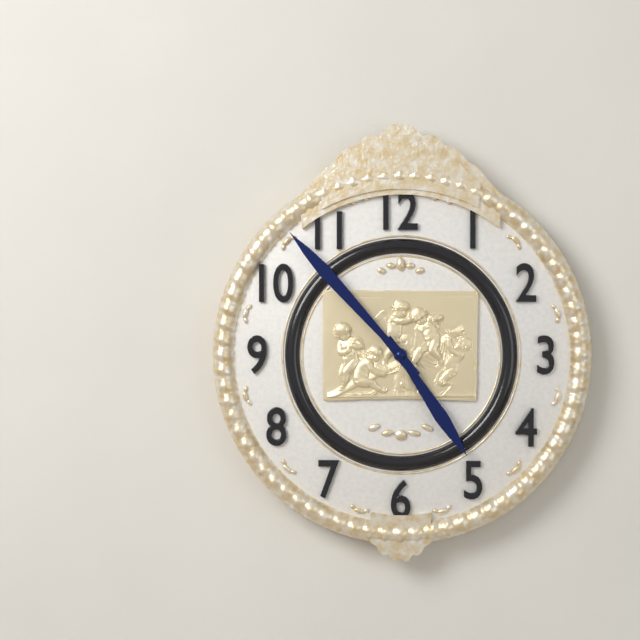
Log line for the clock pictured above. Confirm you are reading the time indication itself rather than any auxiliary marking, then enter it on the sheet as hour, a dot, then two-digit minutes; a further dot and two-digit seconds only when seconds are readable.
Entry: 4.53
